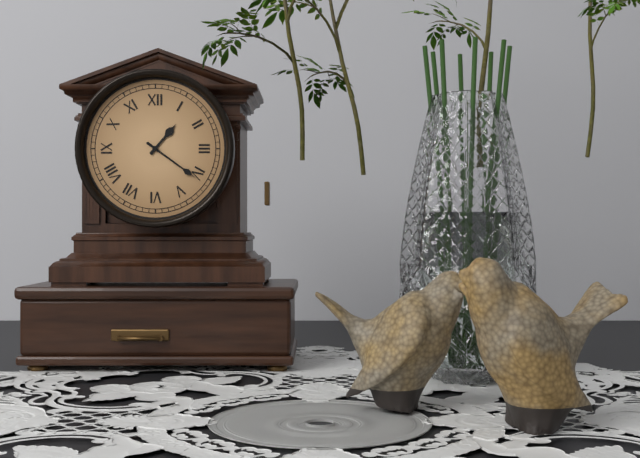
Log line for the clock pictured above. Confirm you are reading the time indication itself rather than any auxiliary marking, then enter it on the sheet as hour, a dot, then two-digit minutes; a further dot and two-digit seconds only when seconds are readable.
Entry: 1.21
